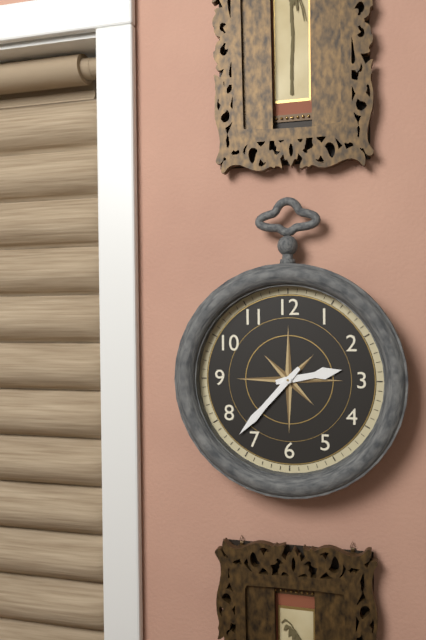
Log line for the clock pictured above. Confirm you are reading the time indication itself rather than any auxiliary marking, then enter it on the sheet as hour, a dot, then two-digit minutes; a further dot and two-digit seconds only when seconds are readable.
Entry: 2.37
